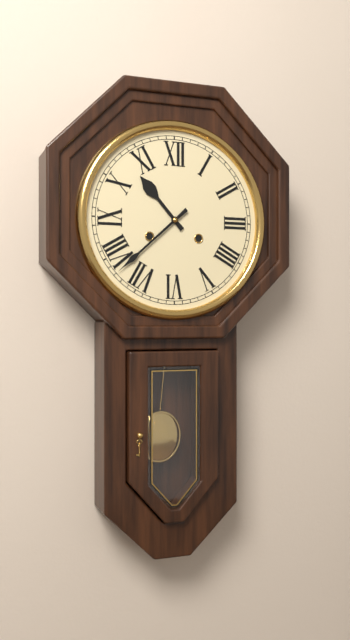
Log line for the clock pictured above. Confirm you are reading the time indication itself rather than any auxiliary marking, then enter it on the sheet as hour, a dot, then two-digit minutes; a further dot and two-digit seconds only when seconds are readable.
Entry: 10.38
